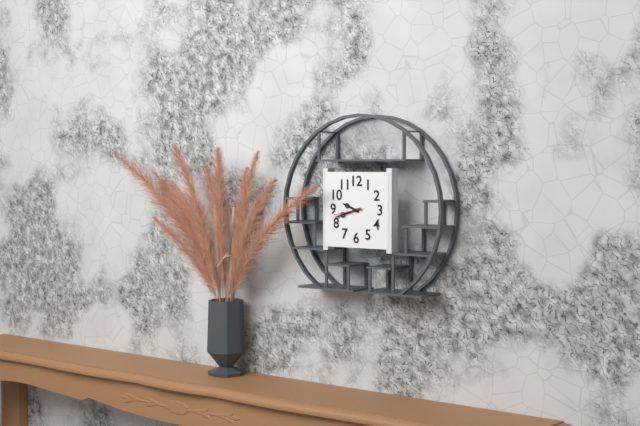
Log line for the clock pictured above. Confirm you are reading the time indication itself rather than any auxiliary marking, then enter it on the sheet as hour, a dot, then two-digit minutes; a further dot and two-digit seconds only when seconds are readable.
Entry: 9.42
